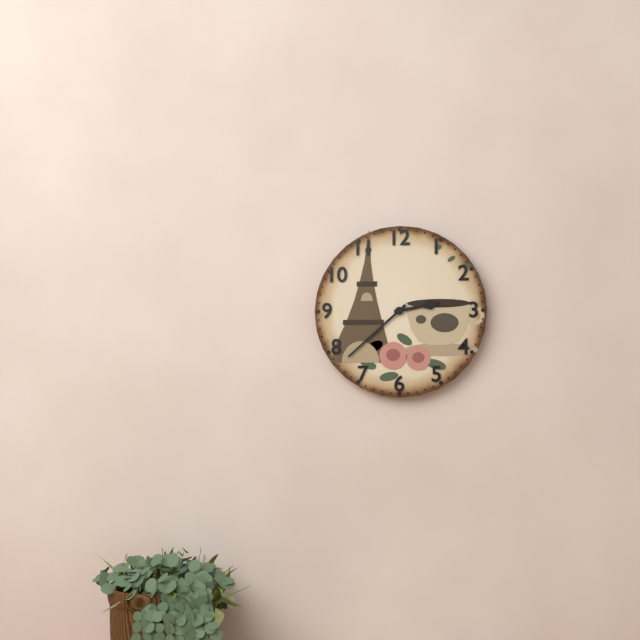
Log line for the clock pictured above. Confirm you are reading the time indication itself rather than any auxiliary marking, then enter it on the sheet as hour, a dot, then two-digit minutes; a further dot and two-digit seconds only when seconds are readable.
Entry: 2.38
